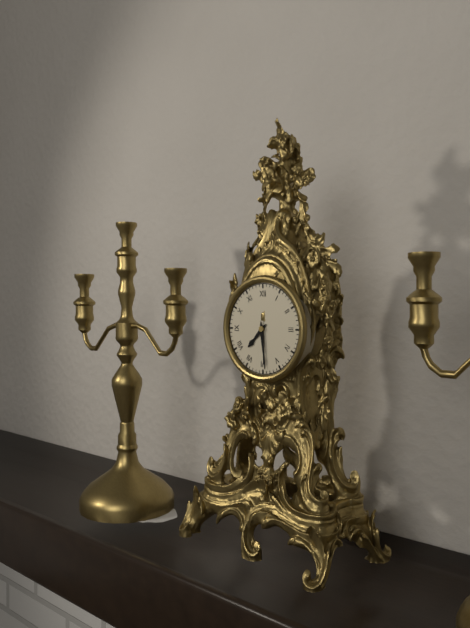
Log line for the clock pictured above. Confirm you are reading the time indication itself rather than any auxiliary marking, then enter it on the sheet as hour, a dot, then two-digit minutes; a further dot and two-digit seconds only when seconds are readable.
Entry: 7.29
